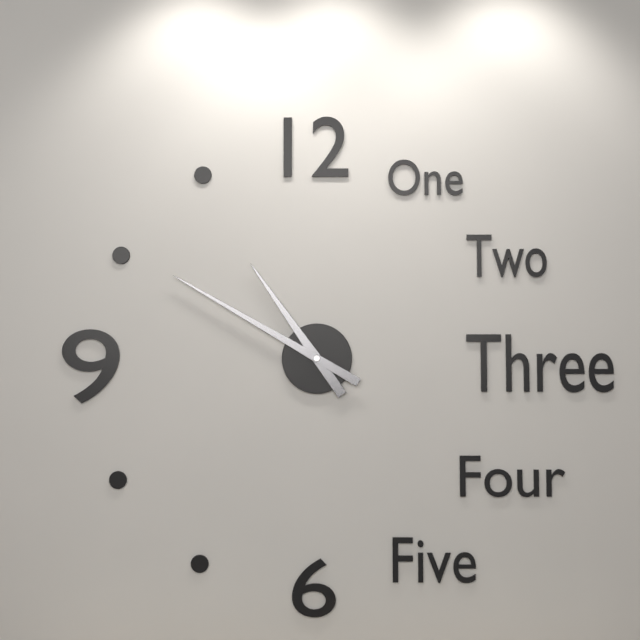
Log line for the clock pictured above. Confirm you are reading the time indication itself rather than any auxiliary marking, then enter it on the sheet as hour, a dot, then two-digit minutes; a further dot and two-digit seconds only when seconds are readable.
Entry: 10.50
